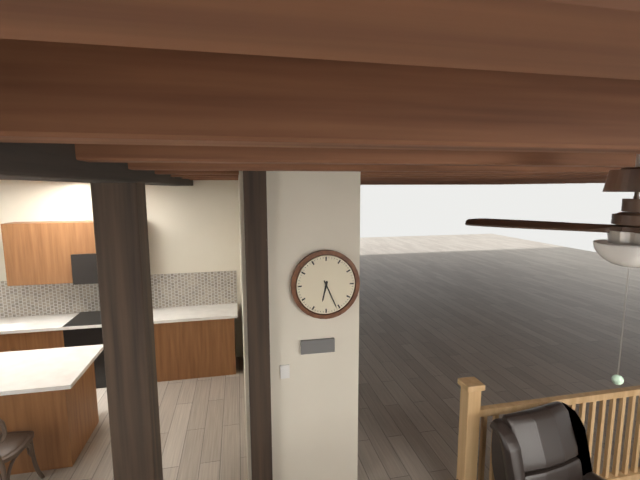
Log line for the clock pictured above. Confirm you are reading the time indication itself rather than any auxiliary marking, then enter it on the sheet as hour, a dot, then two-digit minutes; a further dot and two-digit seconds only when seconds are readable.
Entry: 6.26
